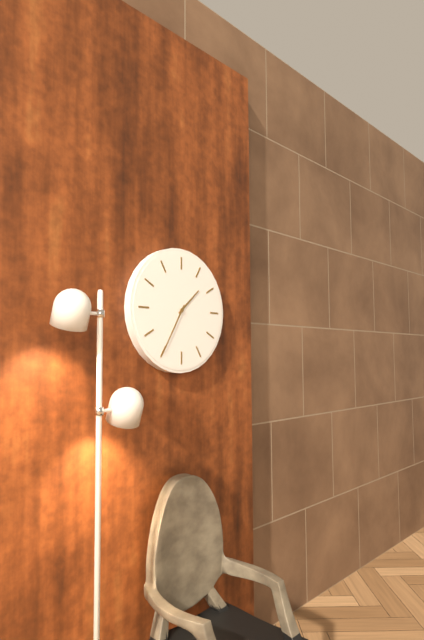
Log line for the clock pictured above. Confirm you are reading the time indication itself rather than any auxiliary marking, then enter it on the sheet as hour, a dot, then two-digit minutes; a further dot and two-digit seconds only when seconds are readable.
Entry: 1.35
